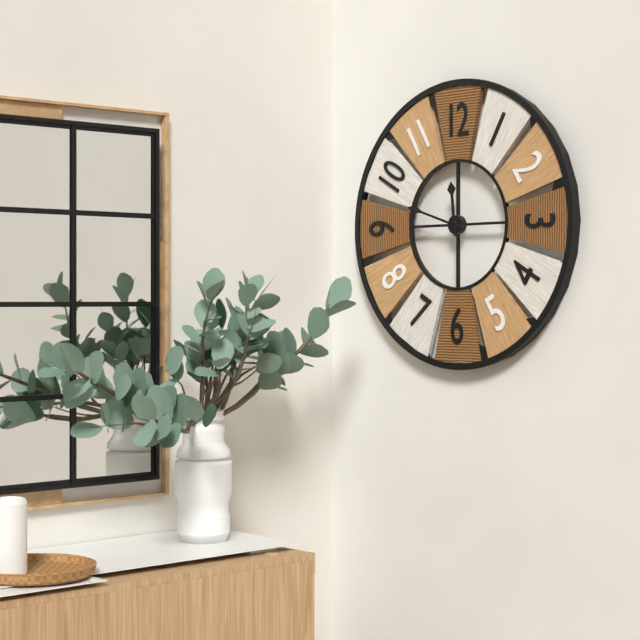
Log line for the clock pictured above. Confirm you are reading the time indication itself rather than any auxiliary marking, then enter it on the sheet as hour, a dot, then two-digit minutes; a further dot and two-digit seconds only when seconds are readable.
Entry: 11.48
